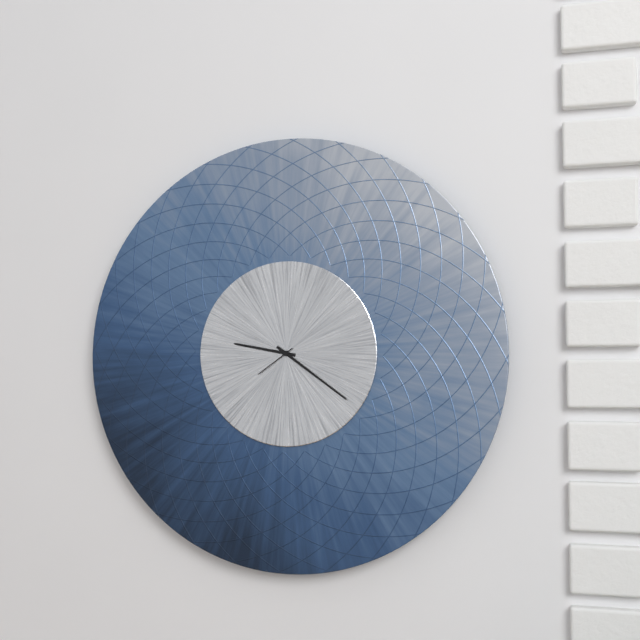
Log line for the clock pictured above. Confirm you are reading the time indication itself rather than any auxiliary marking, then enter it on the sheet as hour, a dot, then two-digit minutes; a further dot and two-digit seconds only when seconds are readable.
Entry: 9.21
